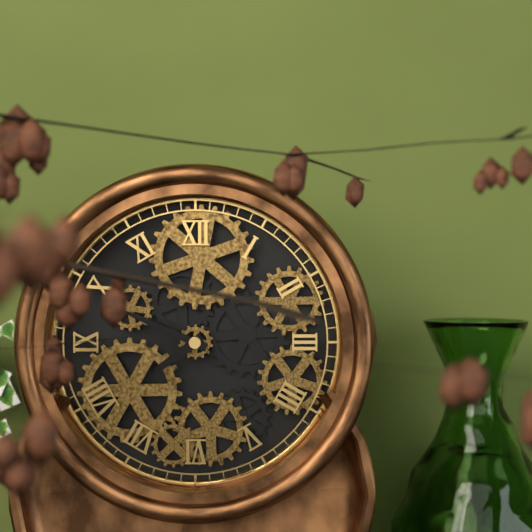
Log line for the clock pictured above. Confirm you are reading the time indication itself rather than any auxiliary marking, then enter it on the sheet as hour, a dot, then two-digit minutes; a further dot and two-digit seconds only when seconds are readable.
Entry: 7.49
